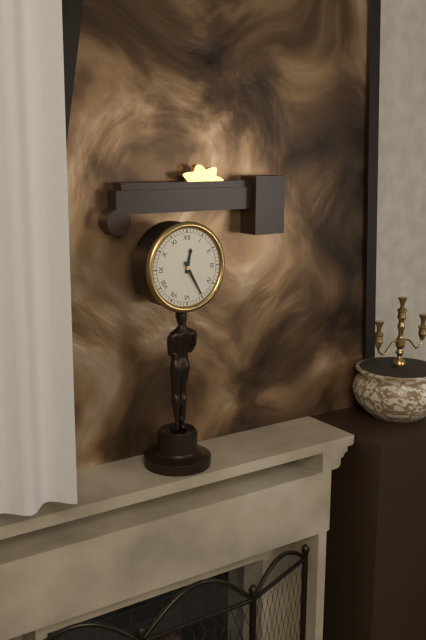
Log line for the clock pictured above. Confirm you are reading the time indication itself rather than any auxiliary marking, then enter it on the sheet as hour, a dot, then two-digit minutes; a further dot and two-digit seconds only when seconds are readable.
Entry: 12.25
